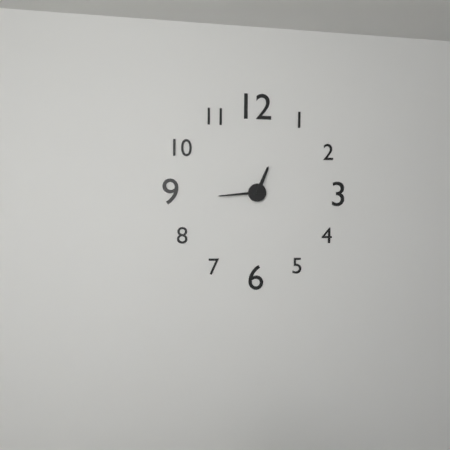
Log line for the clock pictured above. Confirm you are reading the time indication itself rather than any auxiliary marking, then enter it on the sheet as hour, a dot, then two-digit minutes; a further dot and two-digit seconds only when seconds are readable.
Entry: 12.44
